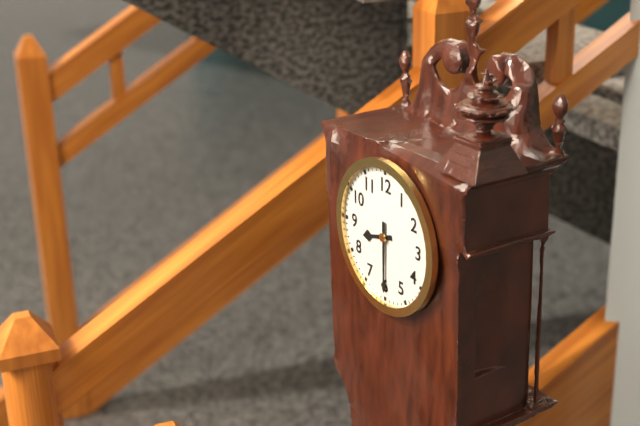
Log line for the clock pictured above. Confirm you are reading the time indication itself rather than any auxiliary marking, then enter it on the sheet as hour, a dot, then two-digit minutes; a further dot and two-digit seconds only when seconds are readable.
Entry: 8.30
